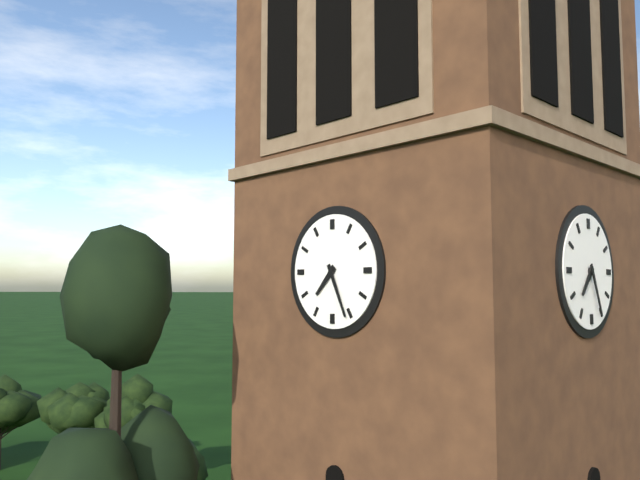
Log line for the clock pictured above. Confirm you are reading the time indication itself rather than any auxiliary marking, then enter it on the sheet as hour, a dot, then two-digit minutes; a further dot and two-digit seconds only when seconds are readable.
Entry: 7.26
